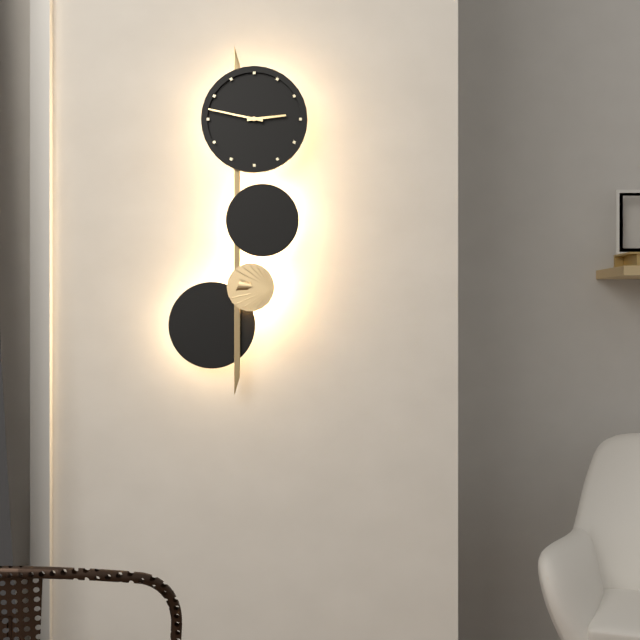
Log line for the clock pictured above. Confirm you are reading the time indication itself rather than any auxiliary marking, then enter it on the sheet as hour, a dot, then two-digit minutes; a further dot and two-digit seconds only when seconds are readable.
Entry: 2.47
